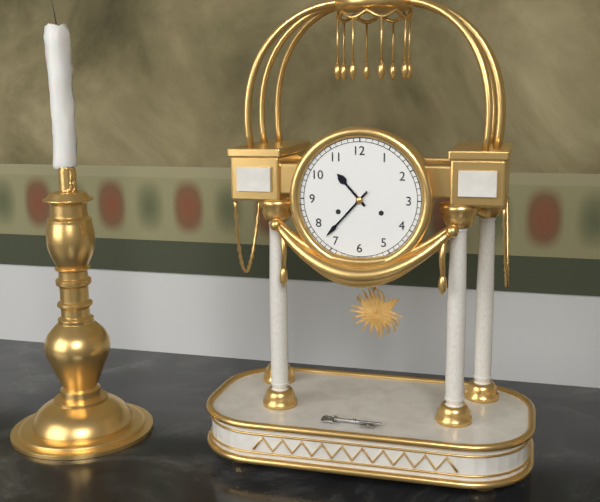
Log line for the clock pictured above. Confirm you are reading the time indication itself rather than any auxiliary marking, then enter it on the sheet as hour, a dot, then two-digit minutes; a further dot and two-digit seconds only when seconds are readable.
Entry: 10.37
